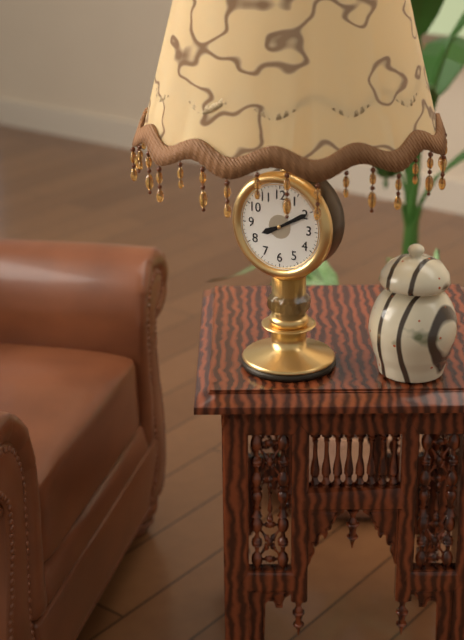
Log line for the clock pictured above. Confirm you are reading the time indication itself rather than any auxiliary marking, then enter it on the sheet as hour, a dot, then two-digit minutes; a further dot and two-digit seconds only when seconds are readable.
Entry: 8.10
